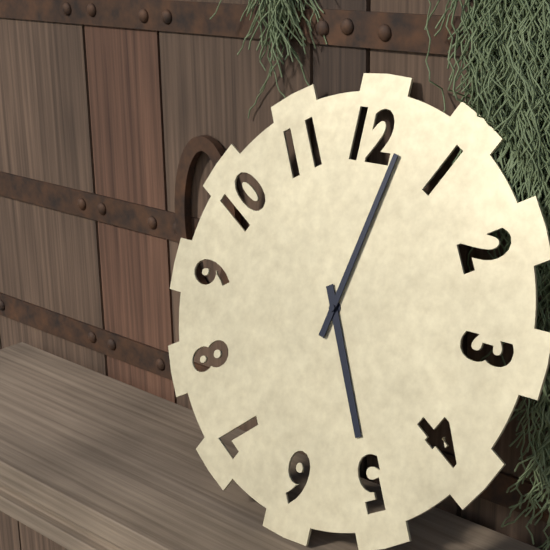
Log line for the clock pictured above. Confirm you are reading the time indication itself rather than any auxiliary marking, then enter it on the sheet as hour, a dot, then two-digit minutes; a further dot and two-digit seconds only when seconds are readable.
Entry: 5.02
